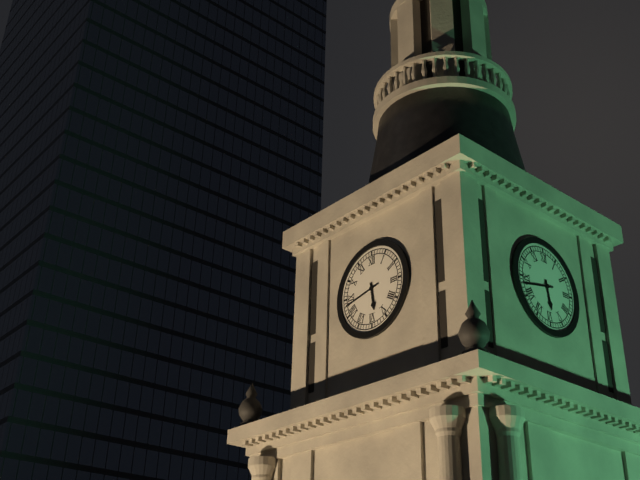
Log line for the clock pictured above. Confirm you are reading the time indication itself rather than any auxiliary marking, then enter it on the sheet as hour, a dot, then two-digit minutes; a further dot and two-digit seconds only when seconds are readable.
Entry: 5.43
